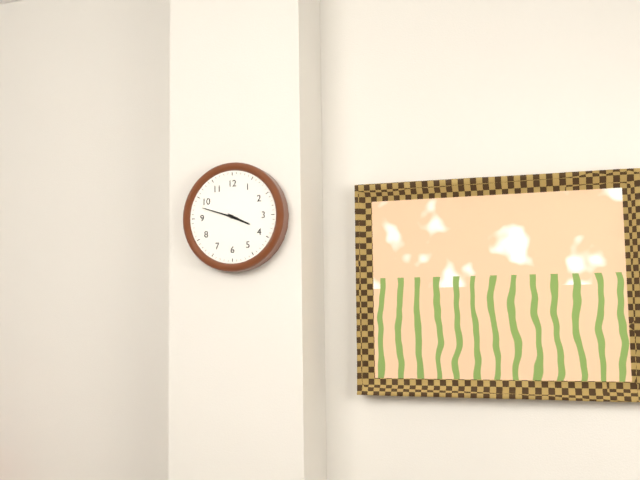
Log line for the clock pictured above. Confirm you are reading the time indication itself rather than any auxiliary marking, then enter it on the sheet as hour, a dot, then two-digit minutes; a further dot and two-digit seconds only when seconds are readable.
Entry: 3.48
